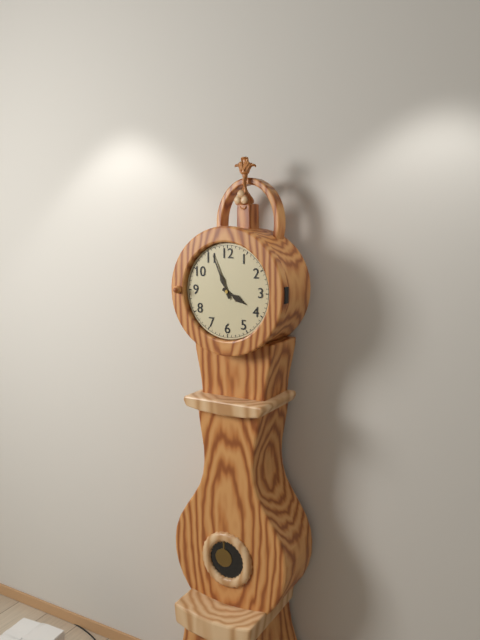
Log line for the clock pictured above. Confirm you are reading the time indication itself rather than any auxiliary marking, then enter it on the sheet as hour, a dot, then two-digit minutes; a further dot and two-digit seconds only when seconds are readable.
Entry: 3.56
